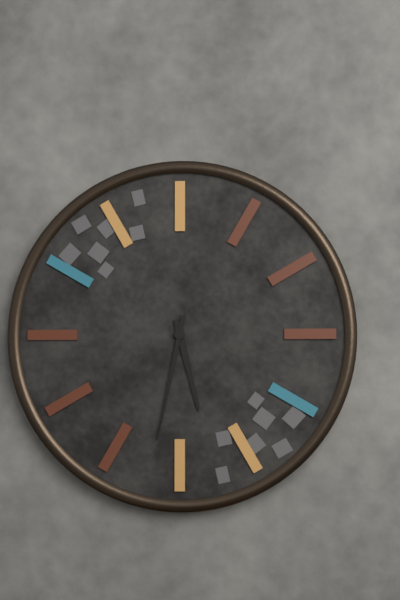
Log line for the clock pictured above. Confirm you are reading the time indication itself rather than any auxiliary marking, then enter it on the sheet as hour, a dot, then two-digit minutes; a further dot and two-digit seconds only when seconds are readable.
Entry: 5.32
